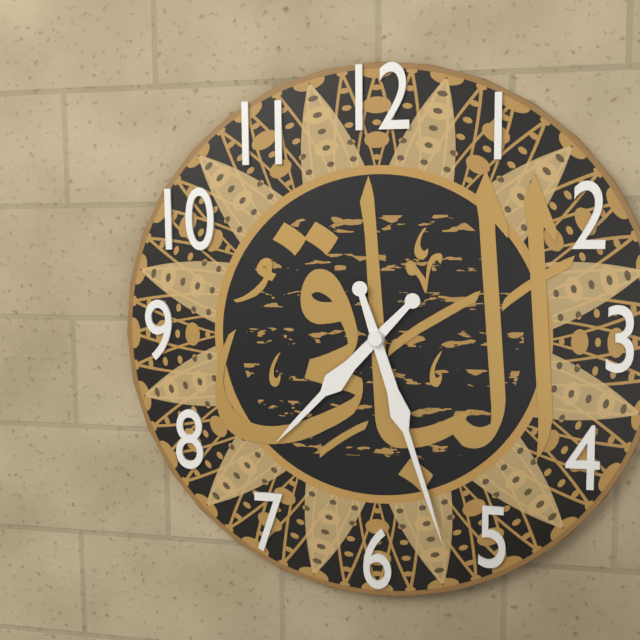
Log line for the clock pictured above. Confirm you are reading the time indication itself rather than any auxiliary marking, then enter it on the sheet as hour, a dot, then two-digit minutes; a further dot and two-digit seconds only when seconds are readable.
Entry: 7.27
